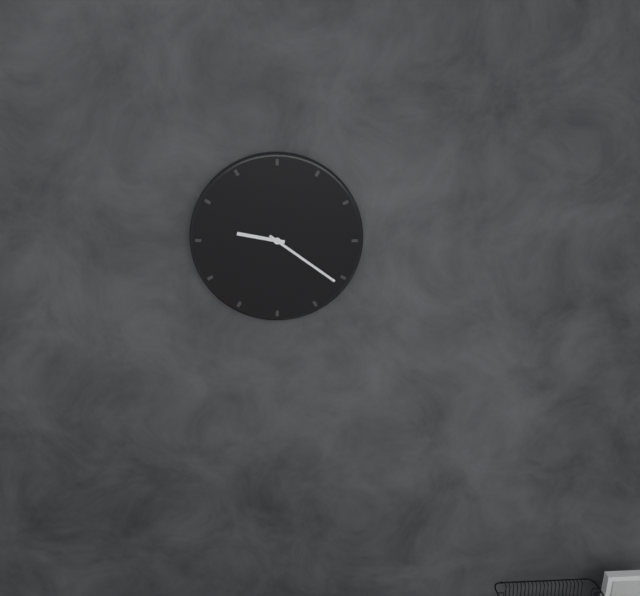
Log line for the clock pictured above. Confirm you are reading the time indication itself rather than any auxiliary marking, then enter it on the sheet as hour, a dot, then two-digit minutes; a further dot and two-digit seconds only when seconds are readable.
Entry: 9.21
